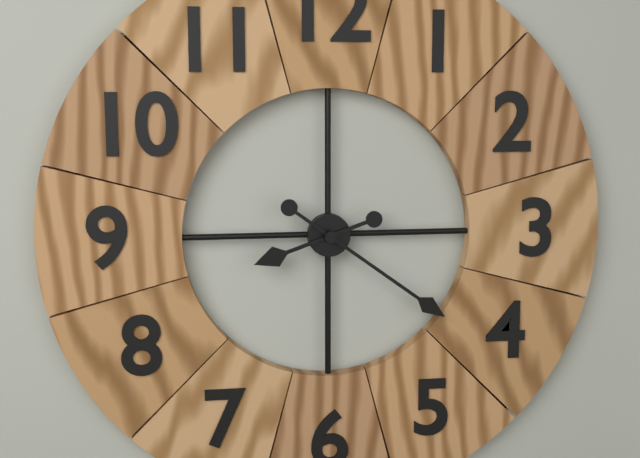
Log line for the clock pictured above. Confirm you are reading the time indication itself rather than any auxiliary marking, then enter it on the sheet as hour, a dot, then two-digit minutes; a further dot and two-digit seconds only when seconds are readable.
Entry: 8.21
